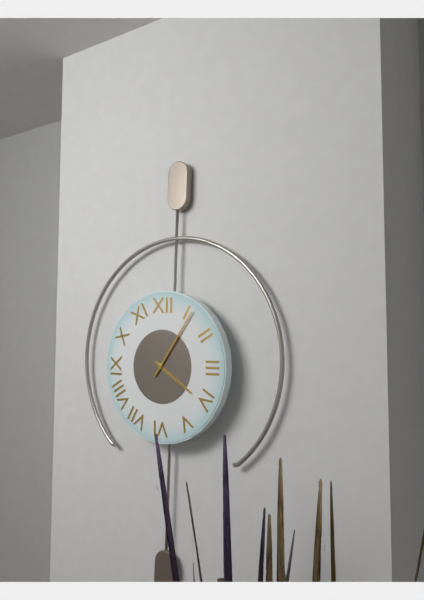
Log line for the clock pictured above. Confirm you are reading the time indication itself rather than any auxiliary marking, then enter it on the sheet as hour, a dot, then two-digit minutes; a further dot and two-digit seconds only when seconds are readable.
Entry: 4.06
